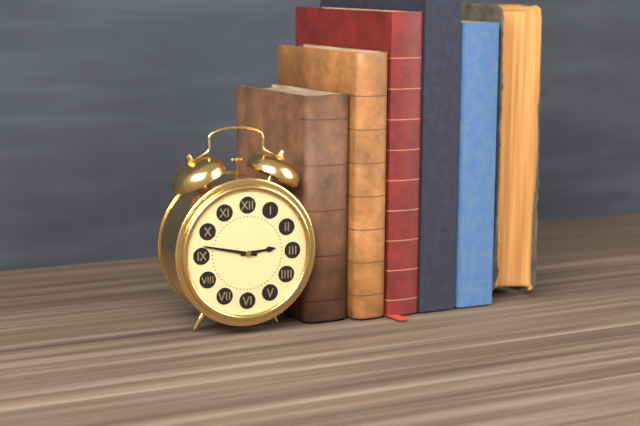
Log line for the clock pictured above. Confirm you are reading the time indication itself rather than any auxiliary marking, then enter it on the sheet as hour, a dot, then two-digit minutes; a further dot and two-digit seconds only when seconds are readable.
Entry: 2.47
